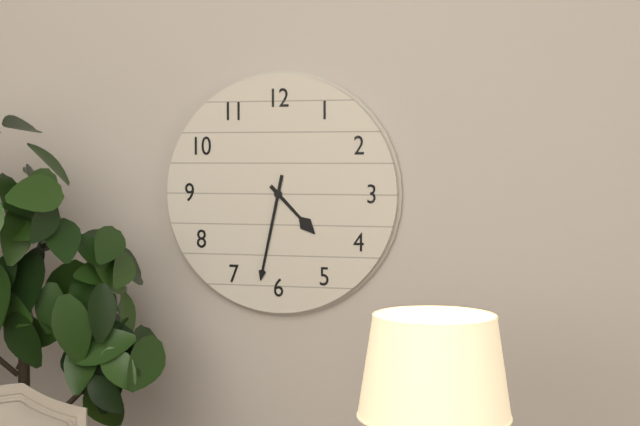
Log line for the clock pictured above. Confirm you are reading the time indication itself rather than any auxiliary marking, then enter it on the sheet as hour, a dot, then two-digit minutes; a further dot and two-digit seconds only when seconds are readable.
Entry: 4.32
